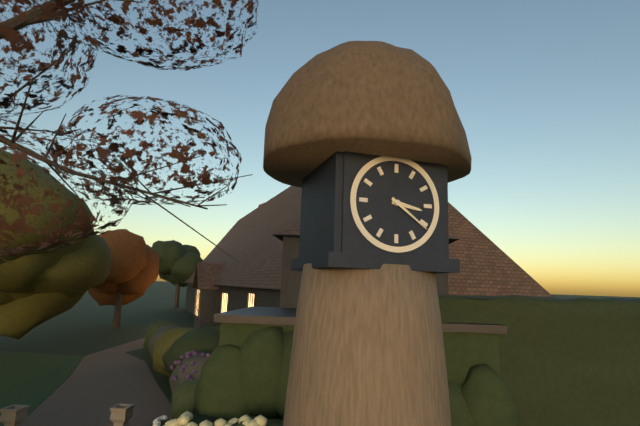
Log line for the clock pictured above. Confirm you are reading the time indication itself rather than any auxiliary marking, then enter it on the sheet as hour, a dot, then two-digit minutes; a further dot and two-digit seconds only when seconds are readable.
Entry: 3.21
